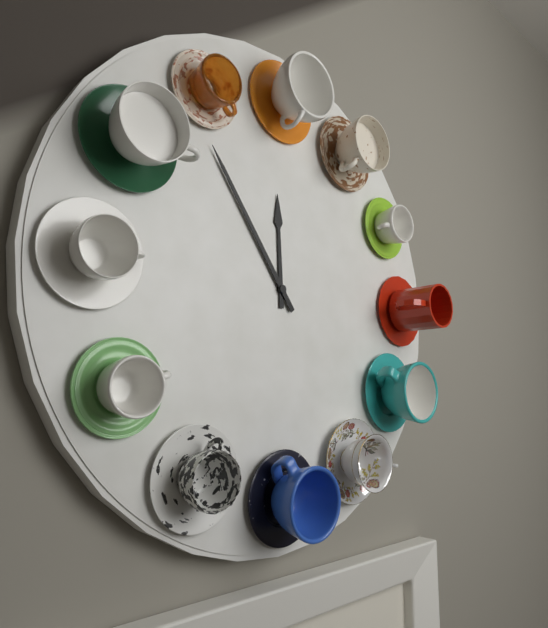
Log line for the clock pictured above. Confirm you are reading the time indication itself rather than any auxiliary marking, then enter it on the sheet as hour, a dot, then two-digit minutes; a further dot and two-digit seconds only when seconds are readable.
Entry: 11.54
